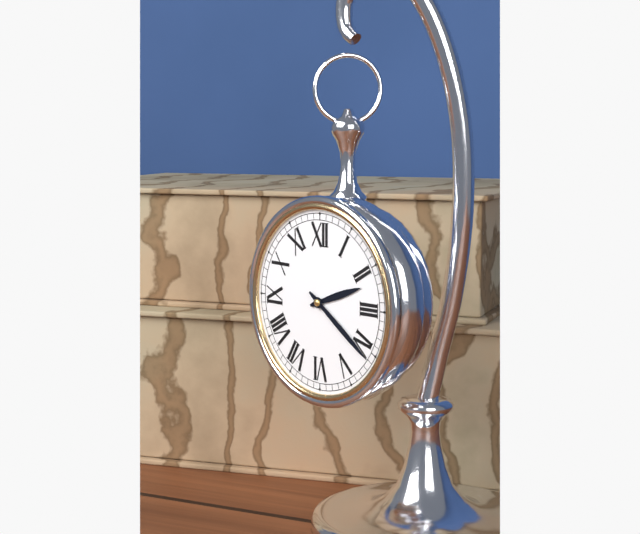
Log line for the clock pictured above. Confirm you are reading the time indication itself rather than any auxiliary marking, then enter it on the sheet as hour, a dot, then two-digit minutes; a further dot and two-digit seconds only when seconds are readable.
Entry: 2.21
